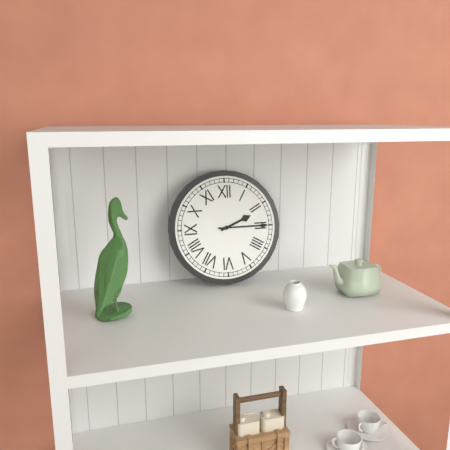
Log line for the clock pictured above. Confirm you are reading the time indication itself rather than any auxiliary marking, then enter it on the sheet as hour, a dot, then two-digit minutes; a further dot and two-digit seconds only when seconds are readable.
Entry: 2.15
